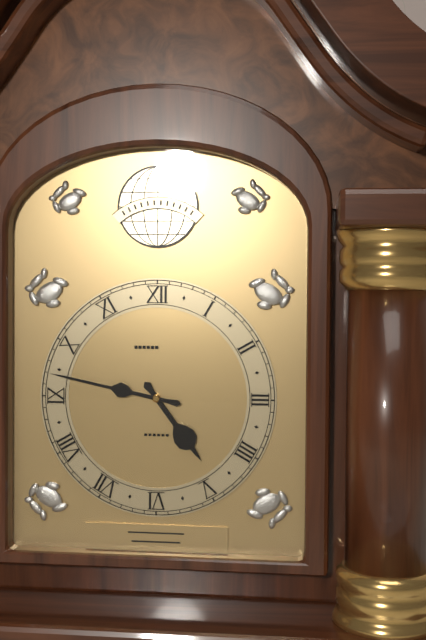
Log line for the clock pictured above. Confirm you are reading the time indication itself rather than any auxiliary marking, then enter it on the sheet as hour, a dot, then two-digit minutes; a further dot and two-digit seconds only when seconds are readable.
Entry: 4.47
